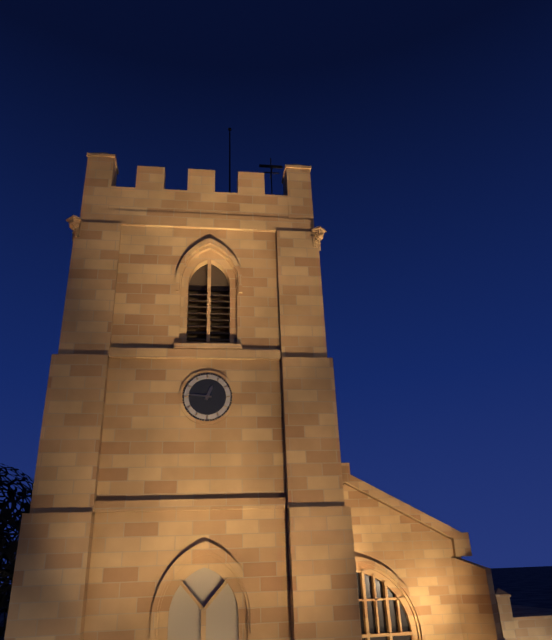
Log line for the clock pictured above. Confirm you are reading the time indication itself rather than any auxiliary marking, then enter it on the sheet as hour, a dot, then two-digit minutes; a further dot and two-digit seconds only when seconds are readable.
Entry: 12.46
